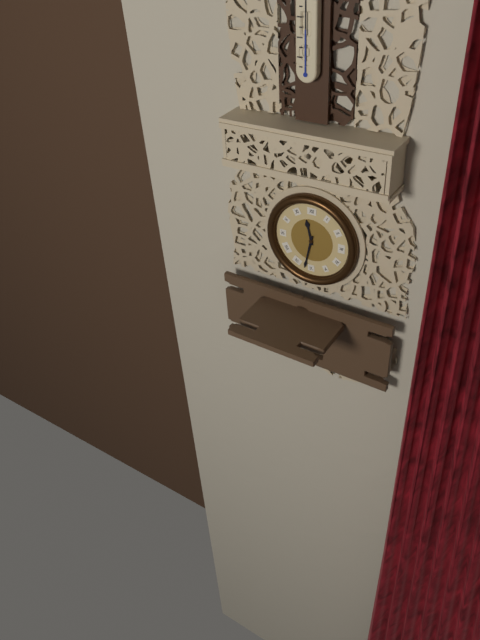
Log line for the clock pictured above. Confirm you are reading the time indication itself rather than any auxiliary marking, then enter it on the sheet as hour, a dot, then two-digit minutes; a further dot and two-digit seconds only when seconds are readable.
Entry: 11.32
